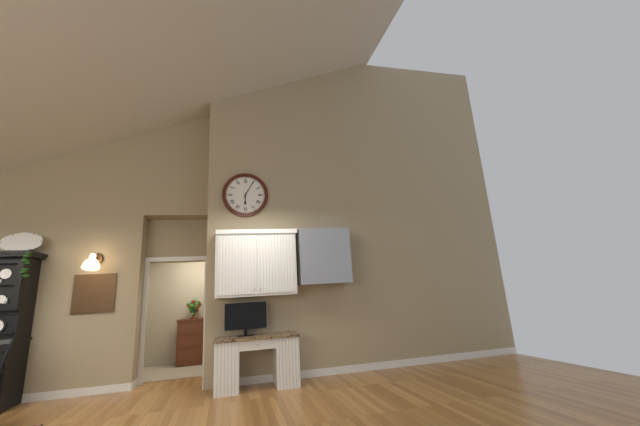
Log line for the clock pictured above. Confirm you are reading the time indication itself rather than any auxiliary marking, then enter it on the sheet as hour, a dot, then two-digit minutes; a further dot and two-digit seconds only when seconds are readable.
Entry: 6.05
